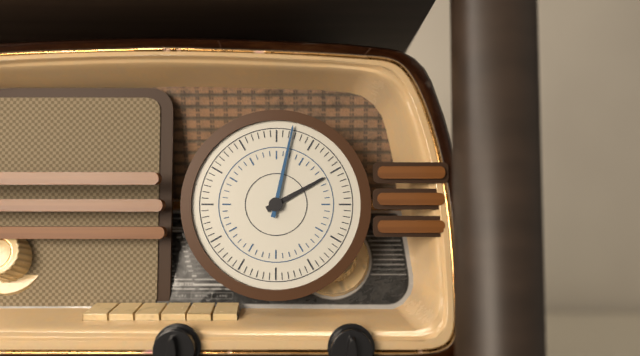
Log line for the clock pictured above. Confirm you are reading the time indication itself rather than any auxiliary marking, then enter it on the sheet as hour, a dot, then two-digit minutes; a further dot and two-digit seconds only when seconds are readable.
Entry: 2.02
